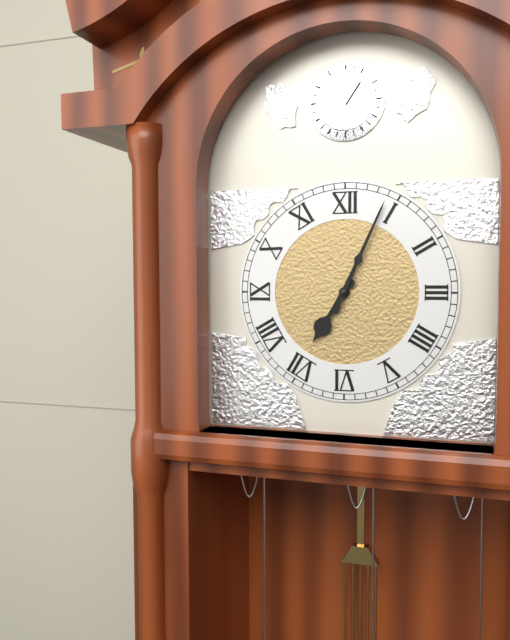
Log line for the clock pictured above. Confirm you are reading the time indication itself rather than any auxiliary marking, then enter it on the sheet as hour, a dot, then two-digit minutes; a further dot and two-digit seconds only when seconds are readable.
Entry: 7.04
